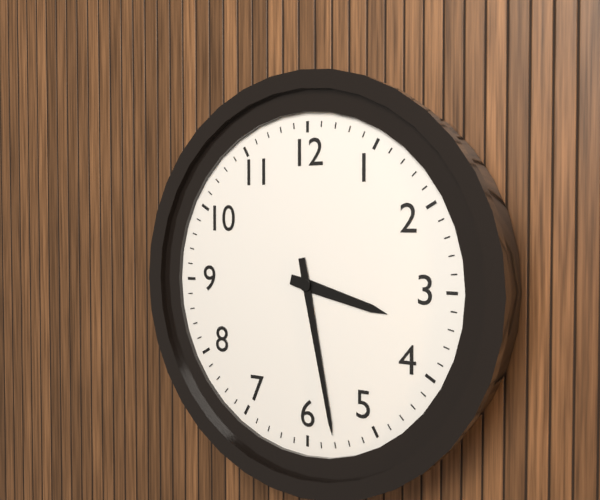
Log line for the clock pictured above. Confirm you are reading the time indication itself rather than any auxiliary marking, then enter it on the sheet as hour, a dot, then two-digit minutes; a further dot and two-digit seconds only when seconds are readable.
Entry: 3.28
